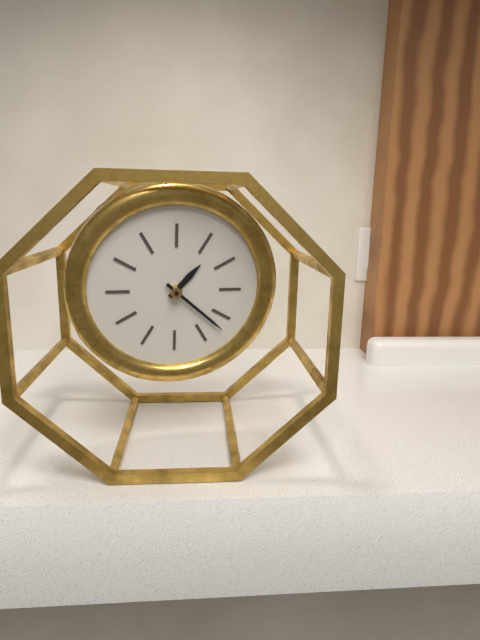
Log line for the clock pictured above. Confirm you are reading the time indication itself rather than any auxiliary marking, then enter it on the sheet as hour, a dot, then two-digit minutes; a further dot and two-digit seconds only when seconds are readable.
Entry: 1.22
